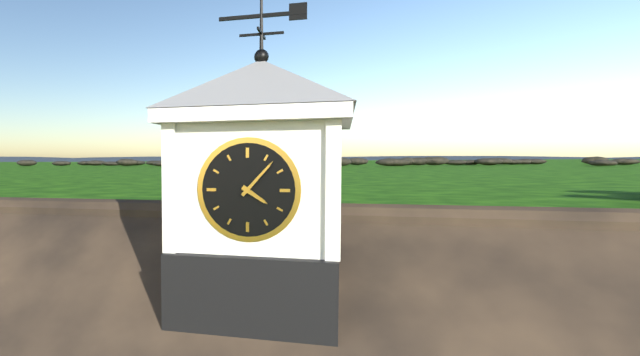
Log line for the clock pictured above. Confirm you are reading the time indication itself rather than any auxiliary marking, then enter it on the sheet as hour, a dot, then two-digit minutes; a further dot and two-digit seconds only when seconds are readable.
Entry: 4.07
